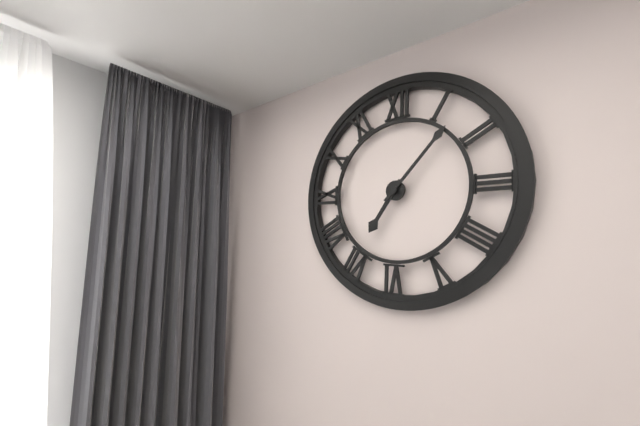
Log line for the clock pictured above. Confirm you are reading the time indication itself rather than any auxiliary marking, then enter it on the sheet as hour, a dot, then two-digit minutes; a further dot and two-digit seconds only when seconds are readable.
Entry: 7.07
